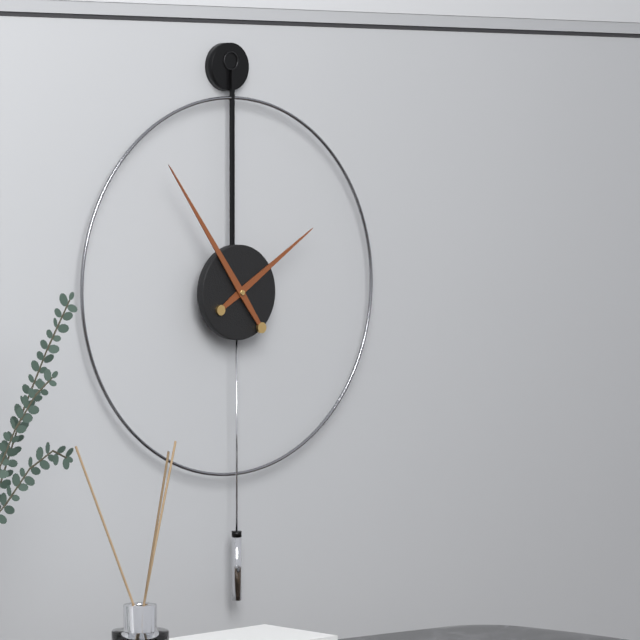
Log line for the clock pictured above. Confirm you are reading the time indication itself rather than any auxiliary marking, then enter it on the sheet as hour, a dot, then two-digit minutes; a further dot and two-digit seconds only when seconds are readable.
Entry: 1.54
